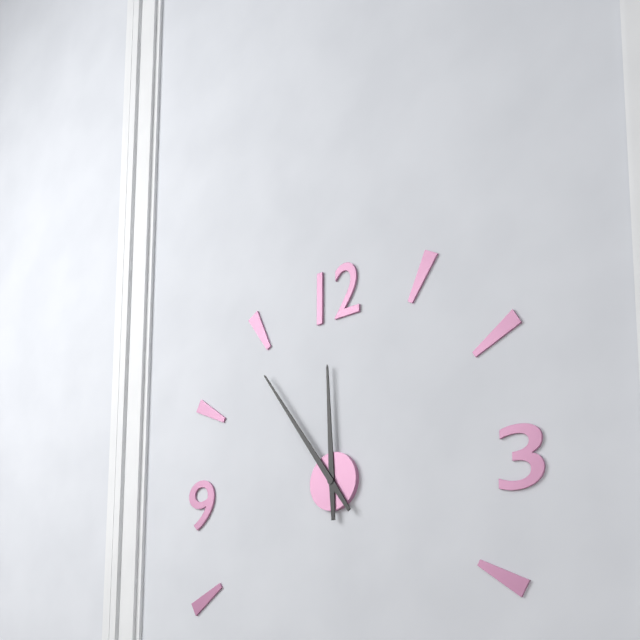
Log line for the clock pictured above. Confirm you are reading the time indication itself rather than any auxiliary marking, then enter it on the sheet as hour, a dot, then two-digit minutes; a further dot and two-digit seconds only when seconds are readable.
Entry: 11.54
